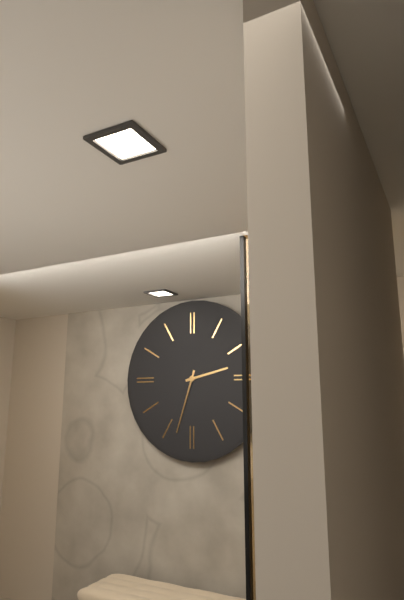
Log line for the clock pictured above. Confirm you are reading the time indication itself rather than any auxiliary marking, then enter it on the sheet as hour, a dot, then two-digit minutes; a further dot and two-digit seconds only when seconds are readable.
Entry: 2.33
